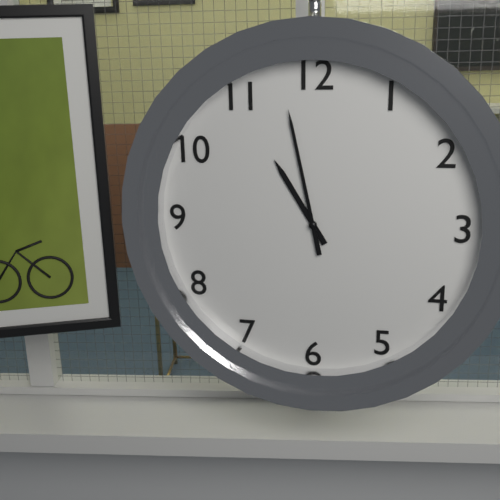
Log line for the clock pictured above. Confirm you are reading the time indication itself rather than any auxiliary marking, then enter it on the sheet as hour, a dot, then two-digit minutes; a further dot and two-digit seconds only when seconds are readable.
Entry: 10.58
